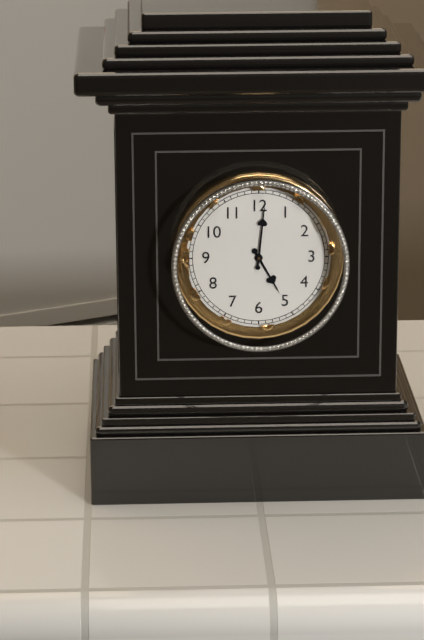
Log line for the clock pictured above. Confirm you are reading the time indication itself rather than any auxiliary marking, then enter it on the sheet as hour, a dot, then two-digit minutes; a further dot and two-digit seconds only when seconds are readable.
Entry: 5.01
